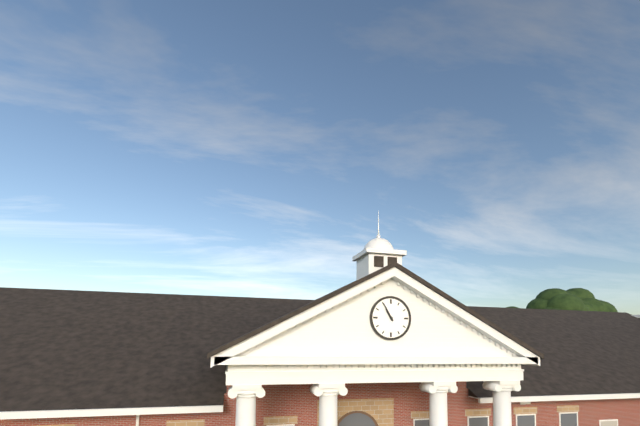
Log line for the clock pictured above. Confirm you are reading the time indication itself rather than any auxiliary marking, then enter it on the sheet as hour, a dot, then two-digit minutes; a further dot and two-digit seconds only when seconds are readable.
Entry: 10.55
